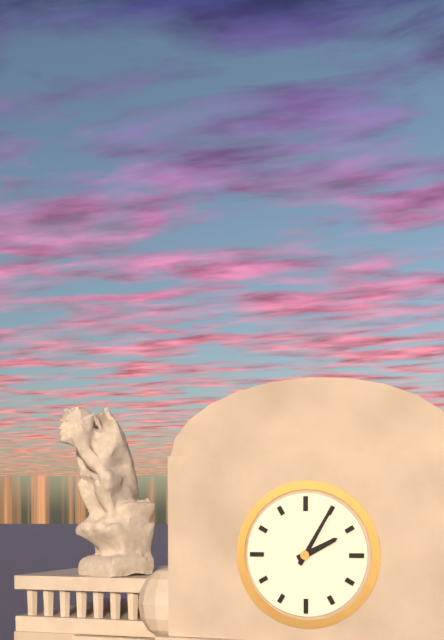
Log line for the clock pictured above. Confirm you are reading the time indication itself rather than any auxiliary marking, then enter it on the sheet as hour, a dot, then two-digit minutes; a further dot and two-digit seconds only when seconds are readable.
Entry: 2.05
